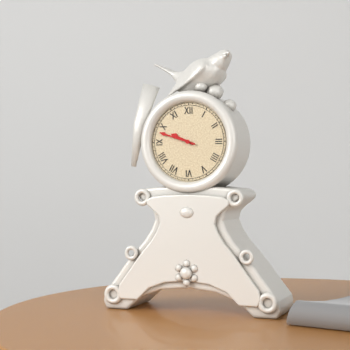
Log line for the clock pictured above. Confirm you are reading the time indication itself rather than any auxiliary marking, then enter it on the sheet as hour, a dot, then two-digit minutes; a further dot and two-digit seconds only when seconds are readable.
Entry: 9.48
